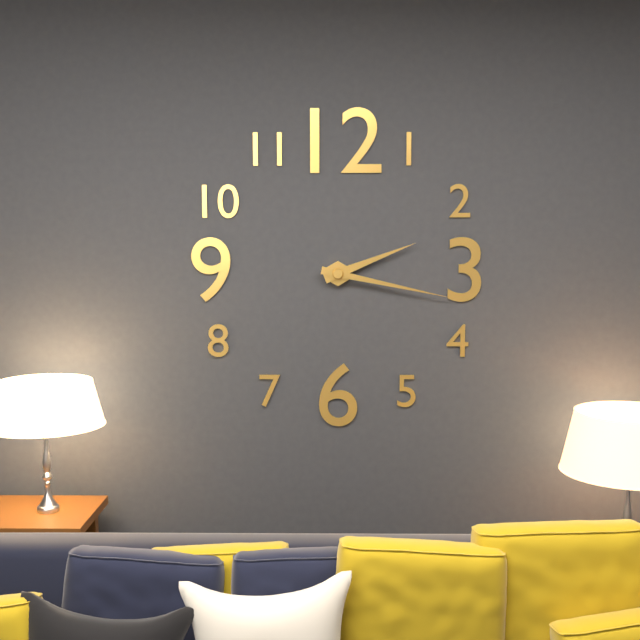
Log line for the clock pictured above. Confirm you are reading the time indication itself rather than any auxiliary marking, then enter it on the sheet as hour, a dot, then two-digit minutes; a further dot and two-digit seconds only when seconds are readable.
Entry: 2.17
